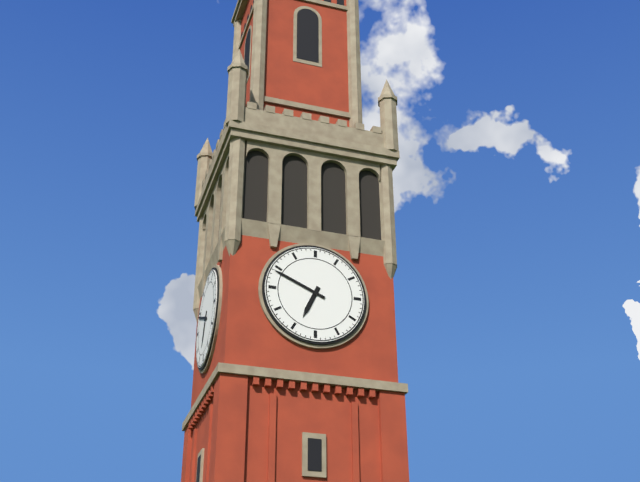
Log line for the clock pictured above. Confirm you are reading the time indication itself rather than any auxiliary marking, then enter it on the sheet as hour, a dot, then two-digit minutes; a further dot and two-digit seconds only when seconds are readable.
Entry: 6.49
